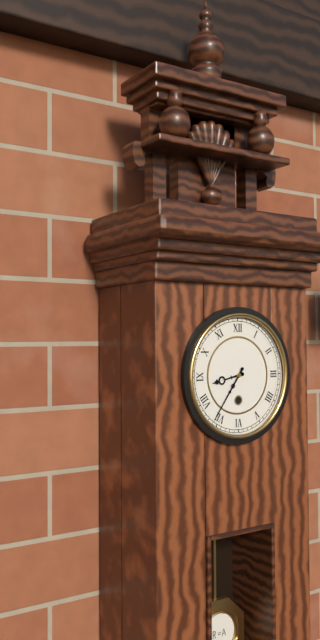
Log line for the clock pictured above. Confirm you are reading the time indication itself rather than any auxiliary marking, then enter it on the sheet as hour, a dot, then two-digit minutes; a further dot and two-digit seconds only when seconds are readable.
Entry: 8.36
